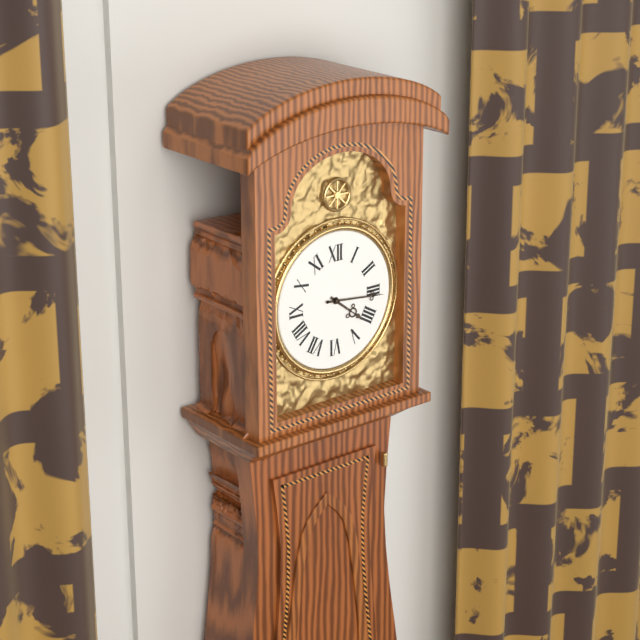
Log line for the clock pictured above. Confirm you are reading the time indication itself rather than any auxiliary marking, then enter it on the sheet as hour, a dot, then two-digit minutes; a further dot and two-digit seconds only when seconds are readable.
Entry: 4.16
